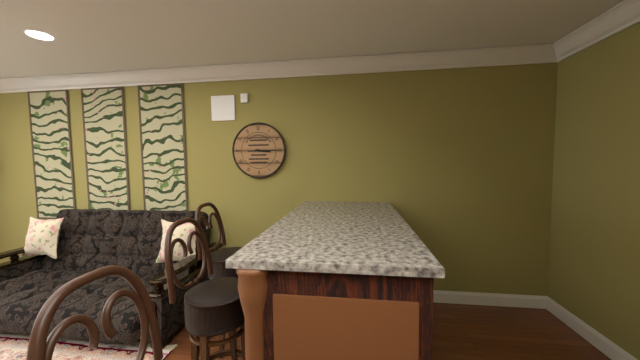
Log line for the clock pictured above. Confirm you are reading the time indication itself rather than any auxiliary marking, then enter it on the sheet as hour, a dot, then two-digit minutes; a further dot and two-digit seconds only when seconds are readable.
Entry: 3.15
